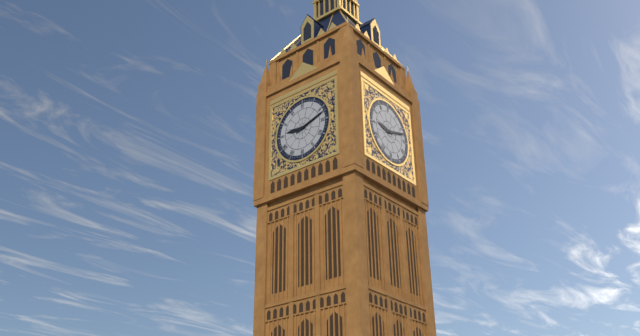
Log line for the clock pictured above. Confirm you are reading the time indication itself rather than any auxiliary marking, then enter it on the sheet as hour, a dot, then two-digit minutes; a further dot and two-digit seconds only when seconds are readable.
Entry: 9.12
